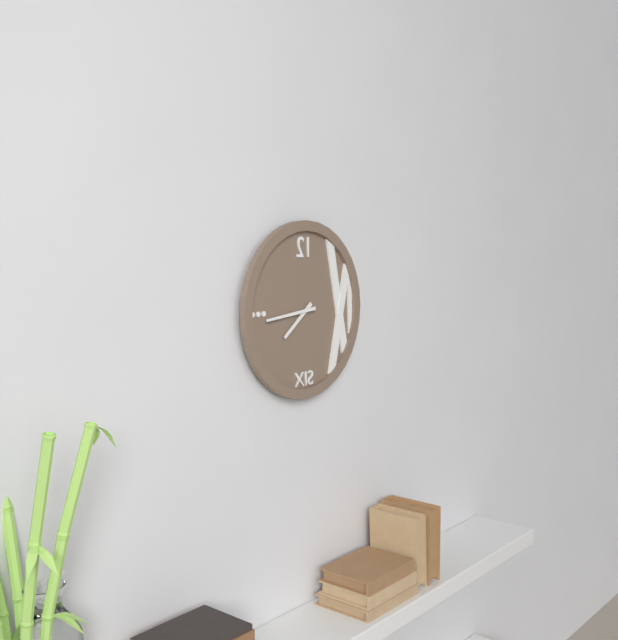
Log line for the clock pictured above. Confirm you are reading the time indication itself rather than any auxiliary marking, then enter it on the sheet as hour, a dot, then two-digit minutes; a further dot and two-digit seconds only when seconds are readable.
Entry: 7.44
